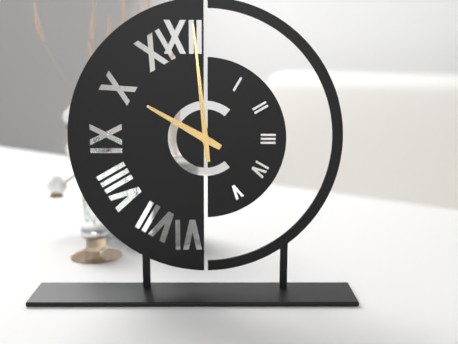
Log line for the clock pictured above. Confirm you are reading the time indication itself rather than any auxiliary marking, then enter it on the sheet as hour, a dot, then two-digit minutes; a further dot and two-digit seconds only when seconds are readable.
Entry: 9.59
